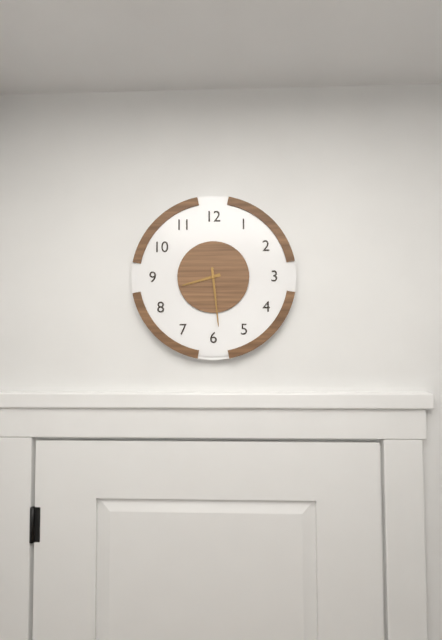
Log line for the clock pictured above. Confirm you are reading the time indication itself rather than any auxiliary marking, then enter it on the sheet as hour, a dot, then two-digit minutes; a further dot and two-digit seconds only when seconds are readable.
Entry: 8.29
